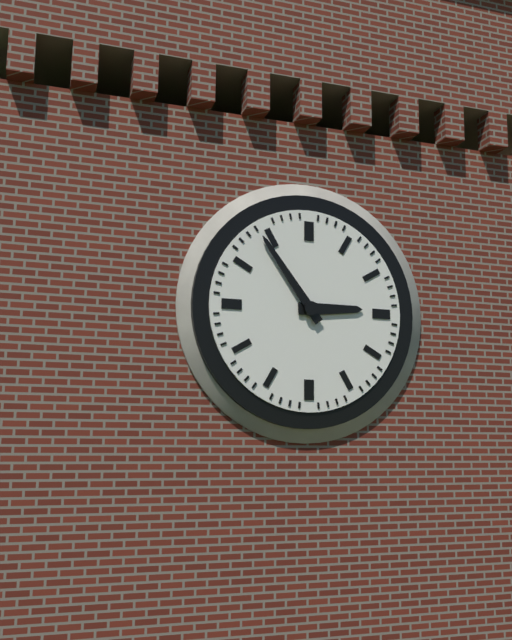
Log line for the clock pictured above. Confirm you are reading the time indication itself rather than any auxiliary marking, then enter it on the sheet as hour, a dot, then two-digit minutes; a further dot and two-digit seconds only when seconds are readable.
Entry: 2.54
